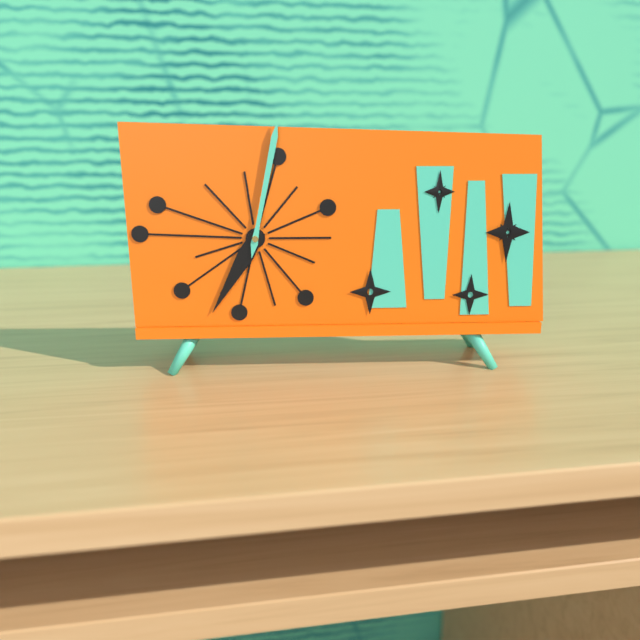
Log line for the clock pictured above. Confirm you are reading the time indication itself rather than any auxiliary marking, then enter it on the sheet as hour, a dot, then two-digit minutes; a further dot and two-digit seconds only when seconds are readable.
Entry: 7.02
